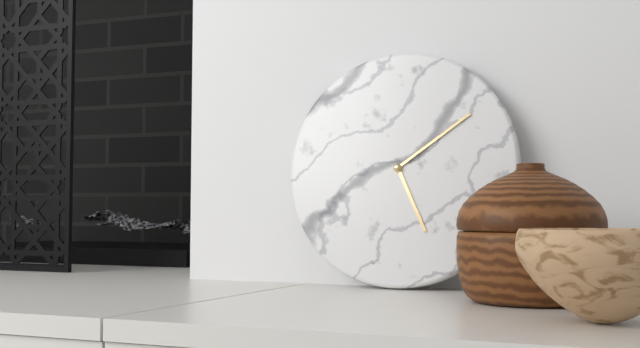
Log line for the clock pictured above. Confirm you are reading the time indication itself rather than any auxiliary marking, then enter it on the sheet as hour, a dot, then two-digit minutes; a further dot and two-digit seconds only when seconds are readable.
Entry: 5.09
